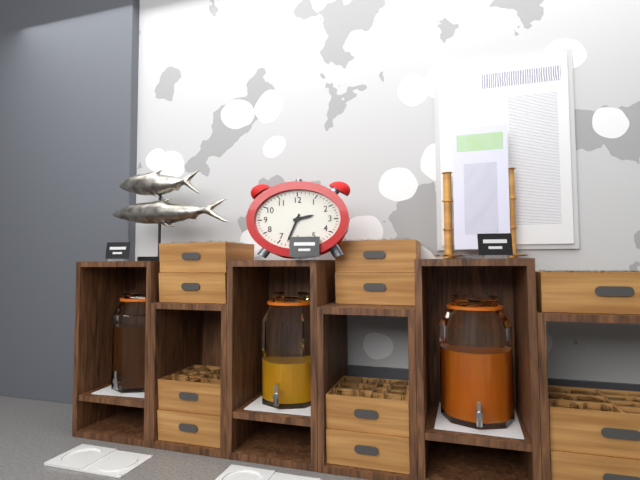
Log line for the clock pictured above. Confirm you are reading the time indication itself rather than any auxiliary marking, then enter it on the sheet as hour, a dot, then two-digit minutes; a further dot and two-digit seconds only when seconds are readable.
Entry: 2.34
